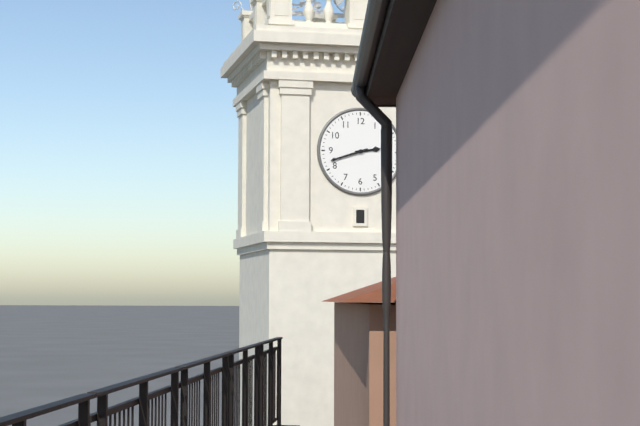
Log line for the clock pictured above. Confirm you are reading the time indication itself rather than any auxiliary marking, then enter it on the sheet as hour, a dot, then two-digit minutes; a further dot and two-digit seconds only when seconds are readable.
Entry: 2.42
